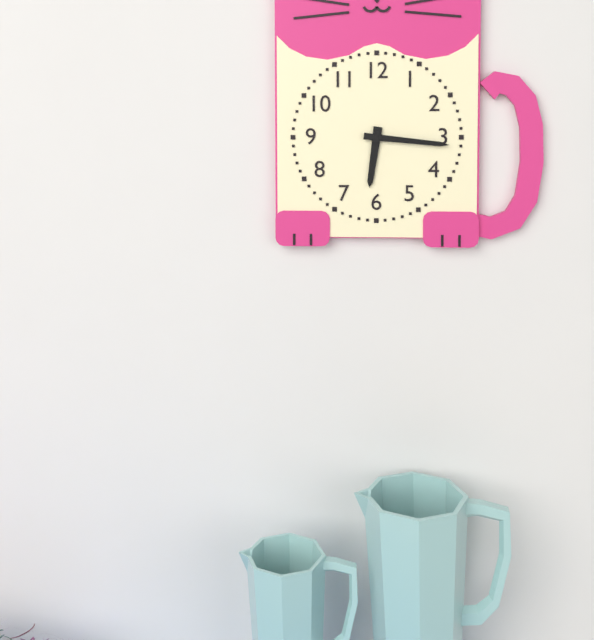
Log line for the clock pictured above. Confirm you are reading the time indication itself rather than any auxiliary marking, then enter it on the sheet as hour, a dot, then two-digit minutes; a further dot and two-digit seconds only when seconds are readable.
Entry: 6.16
